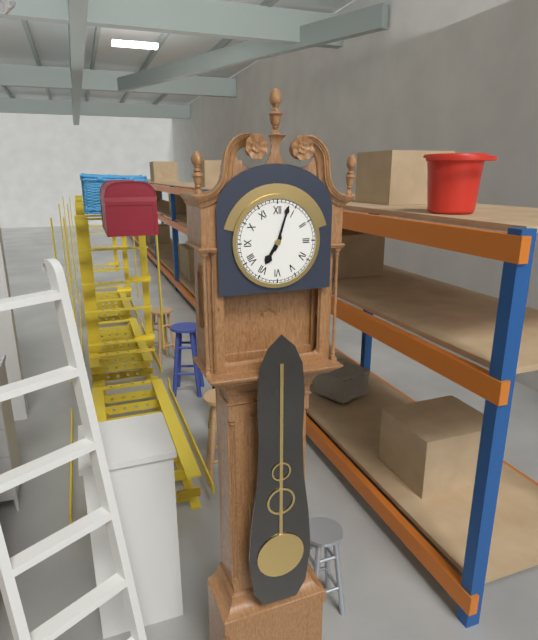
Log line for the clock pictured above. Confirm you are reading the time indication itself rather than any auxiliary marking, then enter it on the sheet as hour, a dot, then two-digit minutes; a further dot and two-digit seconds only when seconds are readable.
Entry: 7.03
